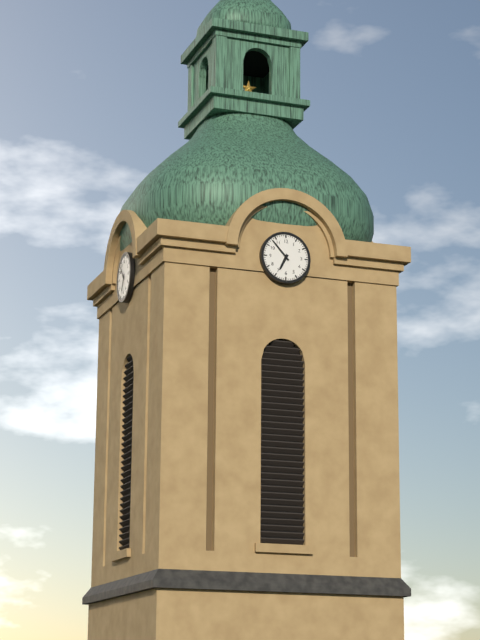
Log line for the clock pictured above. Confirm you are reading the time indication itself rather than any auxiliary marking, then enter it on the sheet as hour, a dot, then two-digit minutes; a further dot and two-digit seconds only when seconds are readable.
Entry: 6.53
